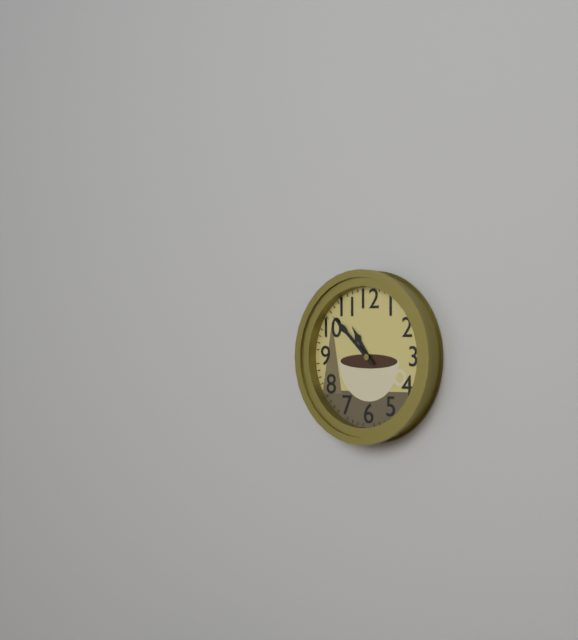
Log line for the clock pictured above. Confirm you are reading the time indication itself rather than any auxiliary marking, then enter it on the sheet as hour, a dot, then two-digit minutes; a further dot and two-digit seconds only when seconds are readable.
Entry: 10.52
